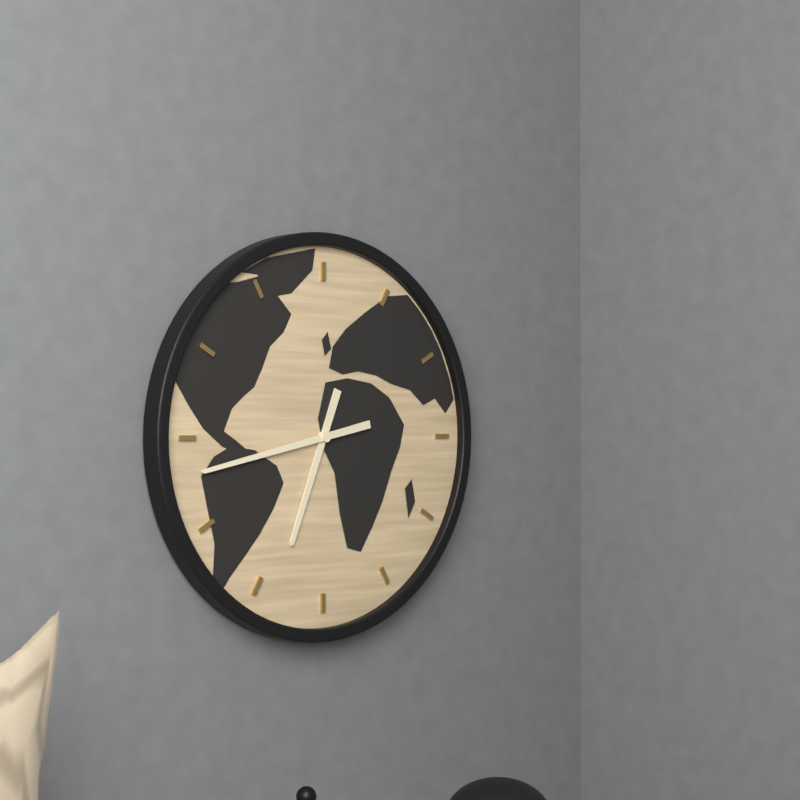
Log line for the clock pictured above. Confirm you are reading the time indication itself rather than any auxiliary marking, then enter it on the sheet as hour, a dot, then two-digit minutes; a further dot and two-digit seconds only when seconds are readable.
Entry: 6.43
